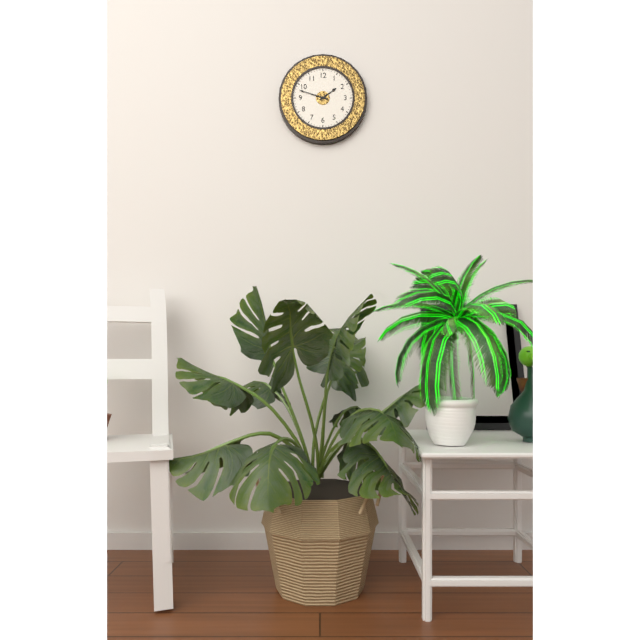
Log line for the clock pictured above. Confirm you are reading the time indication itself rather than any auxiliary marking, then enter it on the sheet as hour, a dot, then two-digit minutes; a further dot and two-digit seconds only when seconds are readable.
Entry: 1.48
